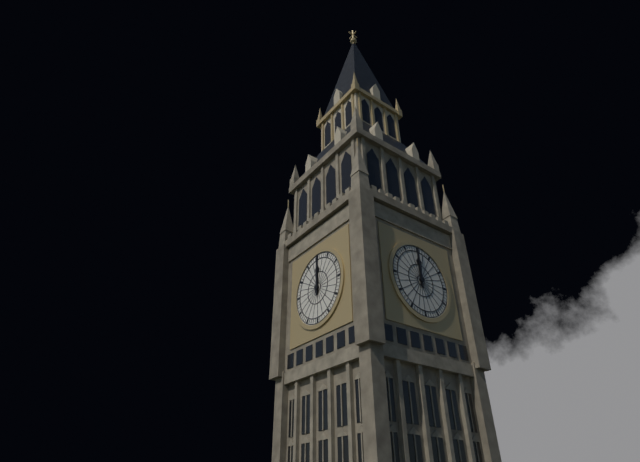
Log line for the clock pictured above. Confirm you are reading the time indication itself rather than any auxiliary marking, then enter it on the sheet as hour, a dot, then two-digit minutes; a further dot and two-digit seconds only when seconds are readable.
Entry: 12.00
